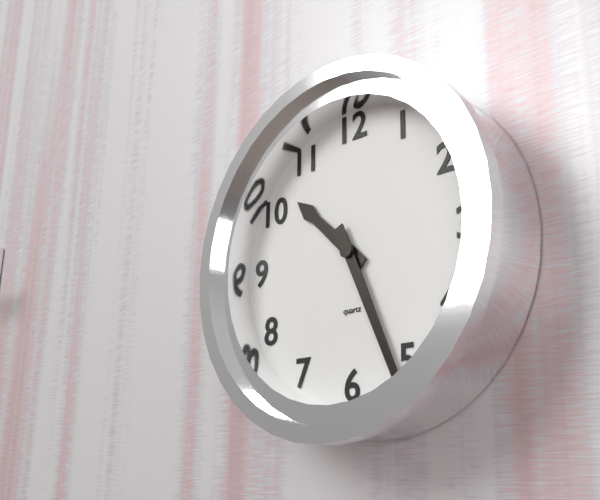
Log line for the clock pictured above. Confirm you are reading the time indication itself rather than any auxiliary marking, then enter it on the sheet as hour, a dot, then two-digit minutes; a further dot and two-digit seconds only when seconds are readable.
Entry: 10.26
